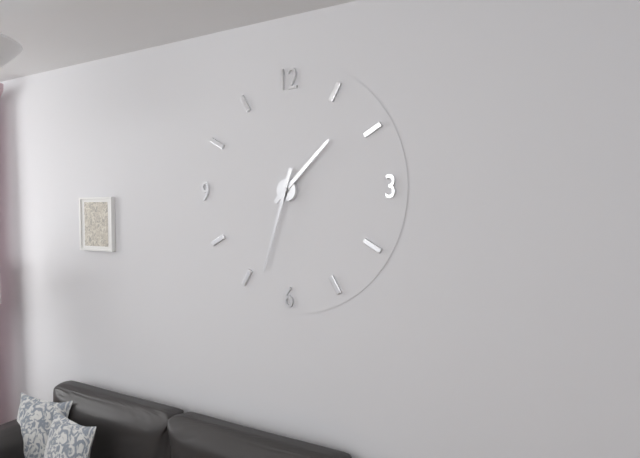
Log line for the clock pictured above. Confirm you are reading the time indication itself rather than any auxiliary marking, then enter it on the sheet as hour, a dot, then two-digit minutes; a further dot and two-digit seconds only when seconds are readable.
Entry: 1.33
